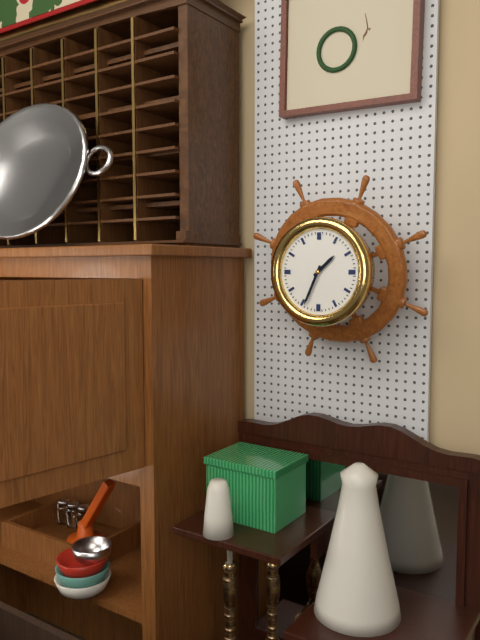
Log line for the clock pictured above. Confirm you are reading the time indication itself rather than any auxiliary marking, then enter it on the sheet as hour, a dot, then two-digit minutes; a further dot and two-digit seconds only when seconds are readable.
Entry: 1.34
